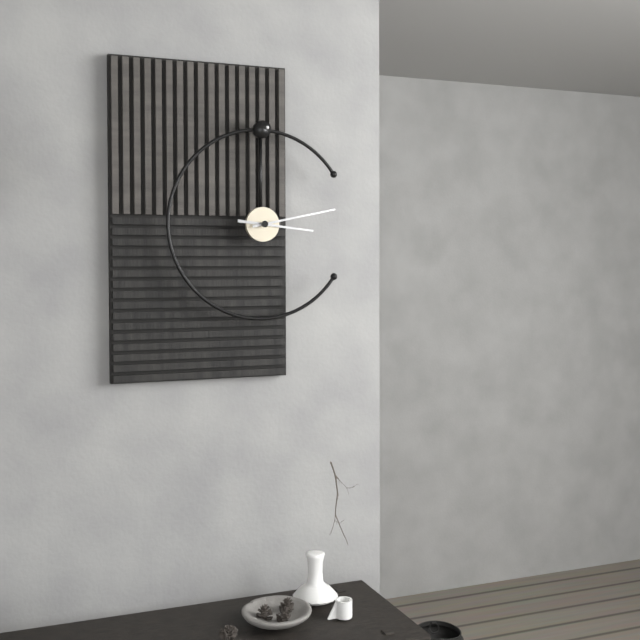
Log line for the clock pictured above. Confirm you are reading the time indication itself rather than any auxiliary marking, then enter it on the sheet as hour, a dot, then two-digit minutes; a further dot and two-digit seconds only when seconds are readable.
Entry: 3.13
